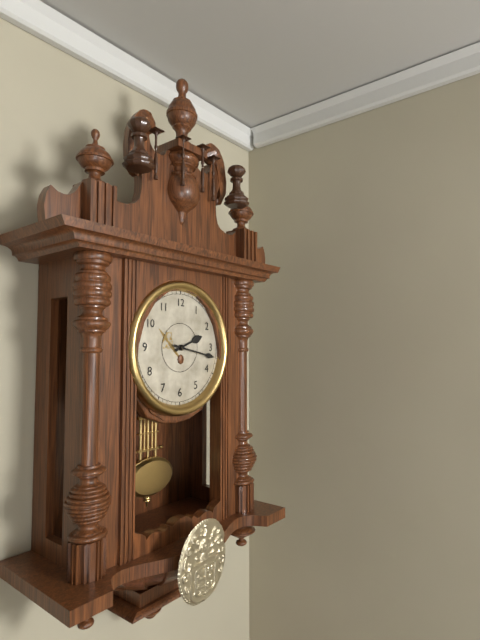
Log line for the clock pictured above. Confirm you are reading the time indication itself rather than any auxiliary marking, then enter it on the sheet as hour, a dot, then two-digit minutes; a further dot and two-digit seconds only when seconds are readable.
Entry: 2.17
